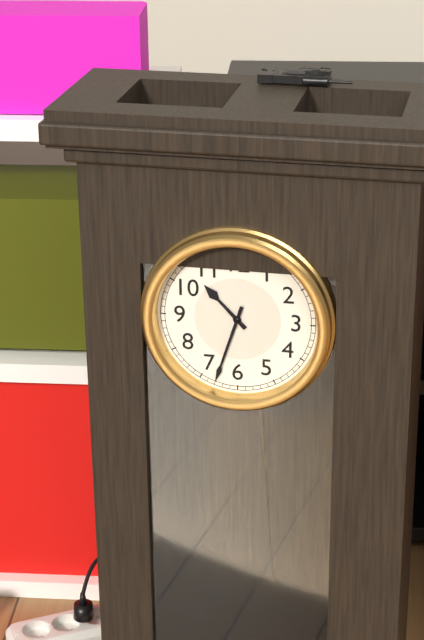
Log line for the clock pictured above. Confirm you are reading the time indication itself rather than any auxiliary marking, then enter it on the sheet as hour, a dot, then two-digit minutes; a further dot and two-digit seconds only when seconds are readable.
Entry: 10.33
